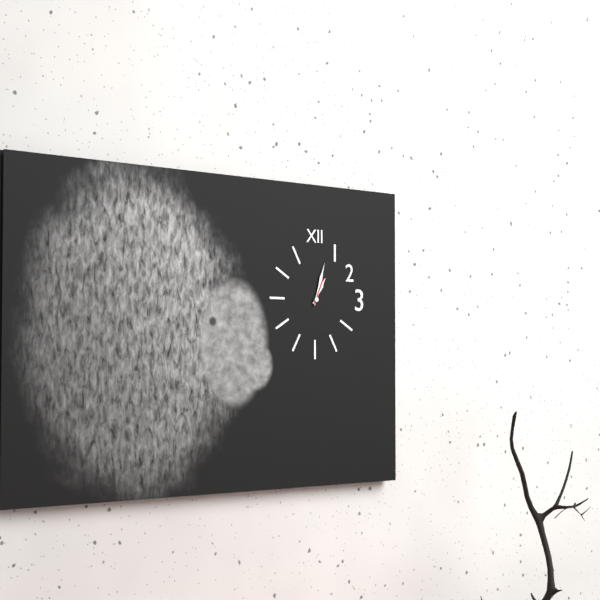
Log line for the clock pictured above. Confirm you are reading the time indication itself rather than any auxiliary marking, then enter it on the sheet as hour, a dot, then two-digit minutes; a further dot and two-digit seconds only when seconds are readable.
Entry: 1.03
